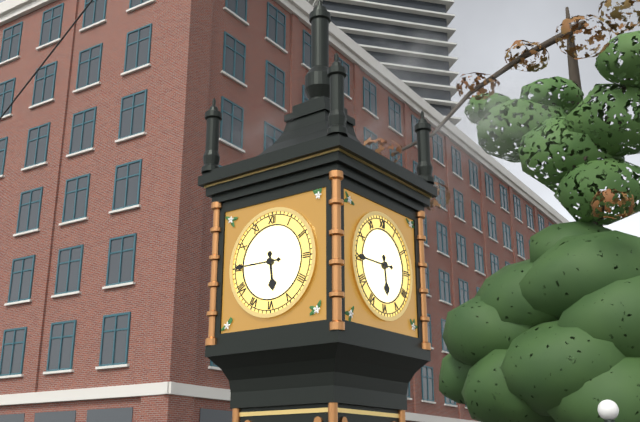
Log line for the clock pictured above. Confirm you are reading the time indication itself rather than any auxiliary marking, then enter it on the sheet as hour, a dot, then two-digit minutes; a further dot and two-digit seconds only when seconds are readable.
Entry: 5.45
